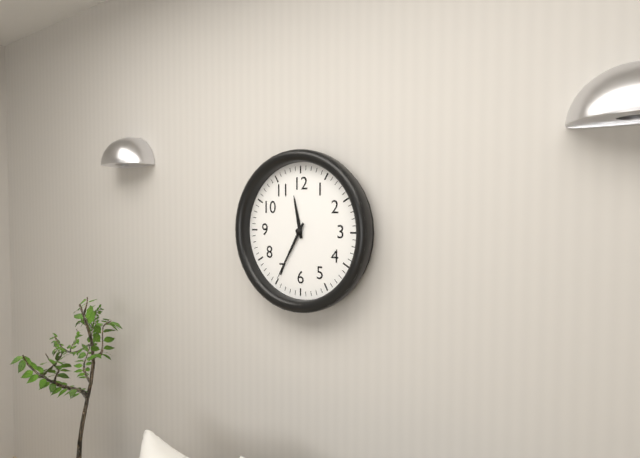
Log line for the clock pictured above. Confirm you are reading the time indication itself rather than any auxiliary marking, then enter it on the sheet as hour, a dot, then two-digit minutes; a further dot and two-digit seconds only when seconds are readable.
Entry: 11.35
